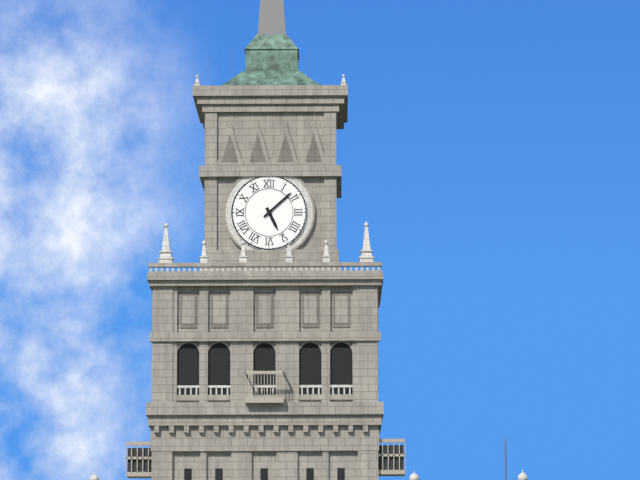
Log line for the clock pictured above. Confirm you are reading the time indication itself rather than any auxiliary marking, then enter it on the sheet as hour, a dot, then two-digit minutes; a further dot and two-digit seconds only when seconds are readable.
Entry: 5.08
